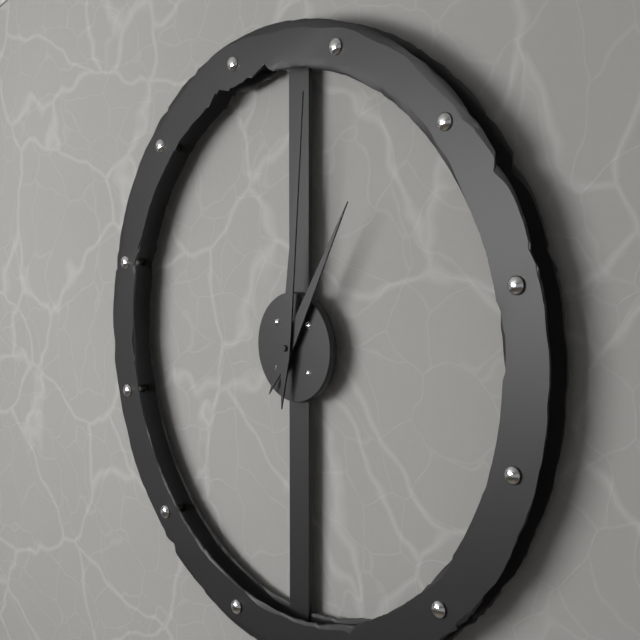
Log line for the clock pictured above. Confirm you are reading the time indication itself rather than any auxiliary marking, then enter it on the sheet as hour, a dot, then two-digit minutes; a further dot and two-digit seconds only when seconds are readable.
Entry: 1.01
